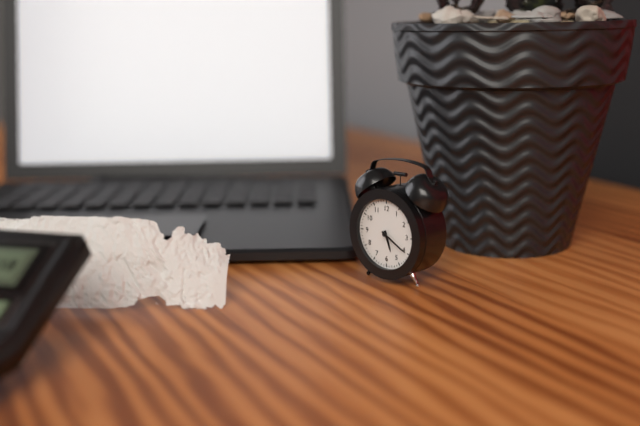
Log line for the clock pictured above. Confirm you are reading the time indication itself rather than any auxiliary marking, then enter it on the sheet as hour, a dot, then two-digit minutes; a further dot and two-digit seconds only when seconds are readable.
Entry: 5.20
